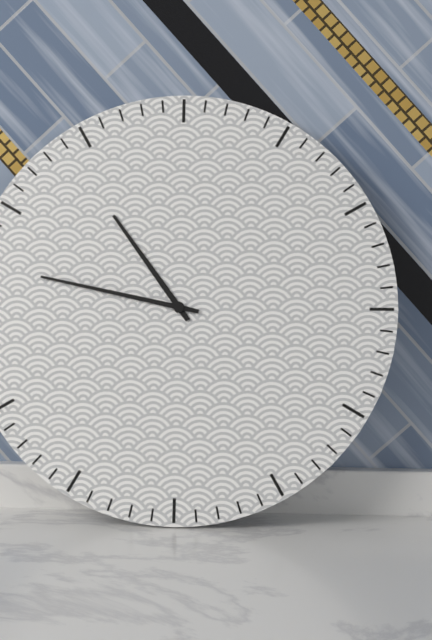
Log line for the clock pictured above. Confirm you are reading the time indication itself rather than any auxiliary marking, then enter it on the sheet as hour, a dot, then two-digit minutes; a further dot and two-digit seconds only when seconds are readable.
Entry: 10.47
